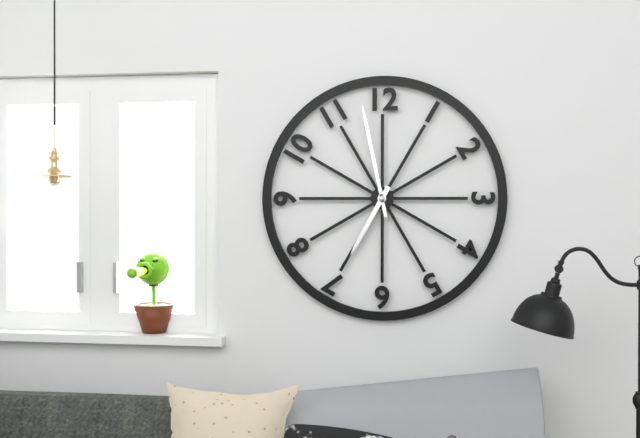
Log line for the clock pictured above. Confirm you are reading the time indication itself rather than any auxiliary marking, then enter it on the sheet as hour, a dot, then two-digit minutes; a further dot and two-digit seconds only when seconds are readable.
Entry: 6.58
